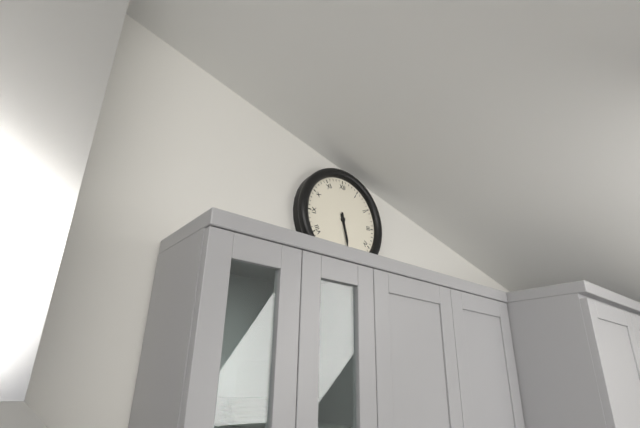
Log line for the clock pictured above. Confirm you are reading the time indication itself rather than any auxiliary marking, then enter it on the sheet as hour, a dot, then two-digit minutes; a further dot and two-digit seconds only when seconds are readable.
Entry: 5.28
